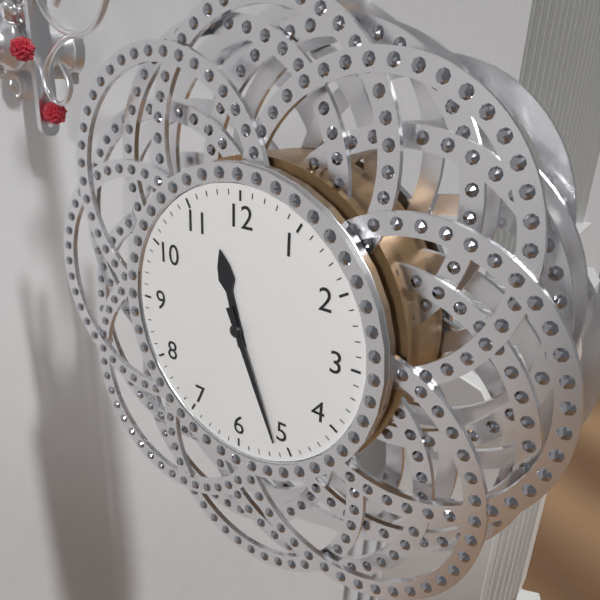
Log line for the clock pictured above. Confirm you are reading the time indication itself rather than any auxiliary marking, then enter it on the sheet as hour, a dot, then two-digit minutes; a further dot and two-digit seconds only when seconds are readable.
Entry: 11.26
